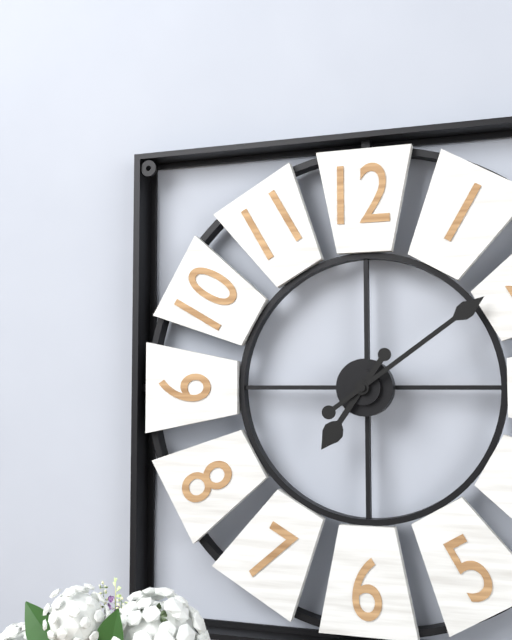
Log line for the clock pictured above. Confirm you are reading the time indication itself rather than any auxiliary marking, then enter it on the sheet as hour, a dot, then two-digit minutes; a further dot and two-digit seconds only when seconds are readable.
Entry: 7.09
